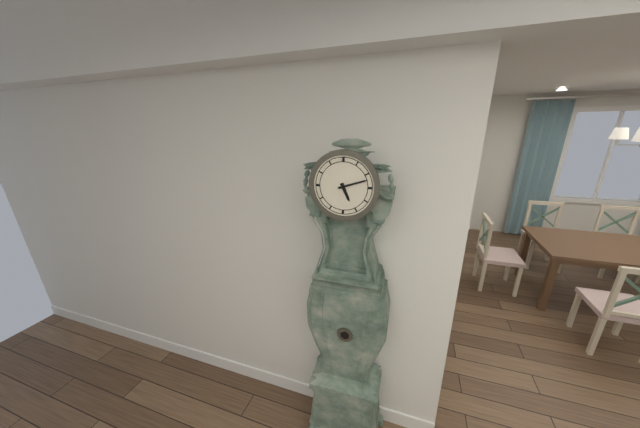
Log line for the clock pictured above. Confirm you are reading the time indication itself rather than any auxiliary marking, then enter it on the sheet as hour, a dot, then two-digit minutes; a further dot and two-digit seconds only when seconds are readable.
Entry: 5.12
